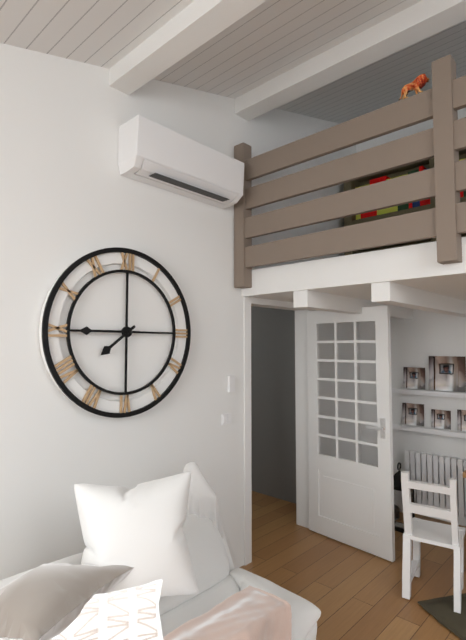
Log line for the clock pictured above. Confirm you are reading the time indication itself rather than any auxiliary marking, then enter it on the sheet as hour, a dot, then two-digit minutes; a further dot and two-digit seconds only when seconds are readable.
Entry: 7.45
